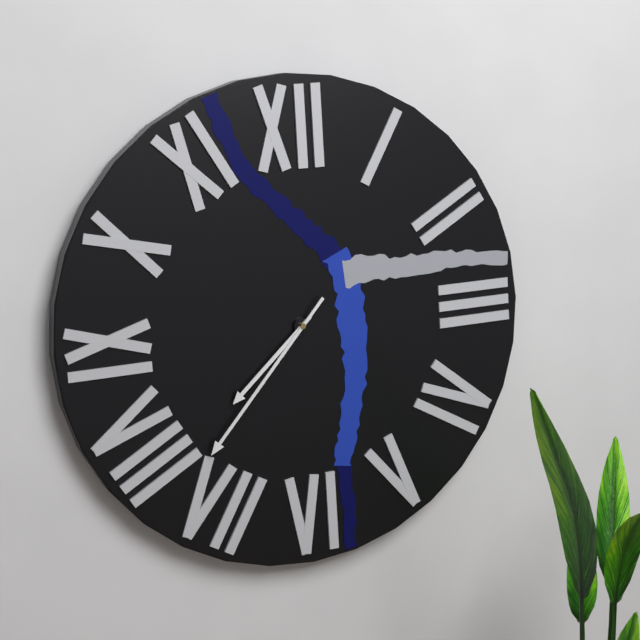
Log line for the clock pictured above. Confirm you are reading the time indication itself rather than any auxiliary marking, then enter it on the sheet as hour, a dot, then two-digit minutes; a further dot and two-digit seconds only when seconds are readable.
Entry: 7.37
